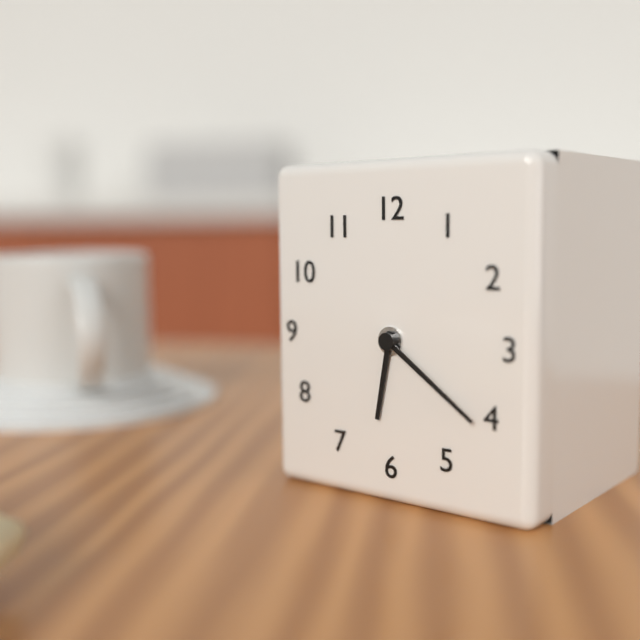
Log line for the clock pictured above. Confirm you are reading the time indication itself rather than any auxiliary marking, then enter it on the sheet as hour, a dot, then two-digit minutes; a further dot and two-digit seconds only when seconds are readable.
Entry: 6.21
